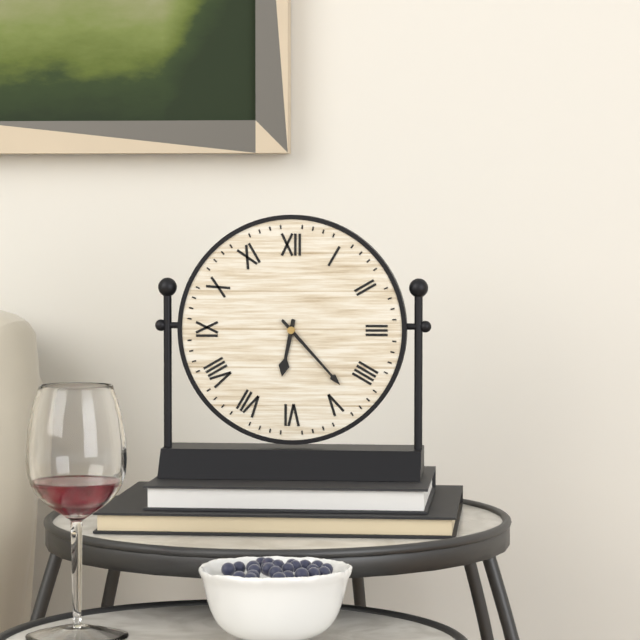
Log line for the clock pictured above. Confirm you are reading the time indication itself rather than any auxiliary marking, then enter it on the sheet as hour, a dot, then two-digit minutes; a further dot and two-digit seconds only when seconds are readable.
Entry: 6.23
